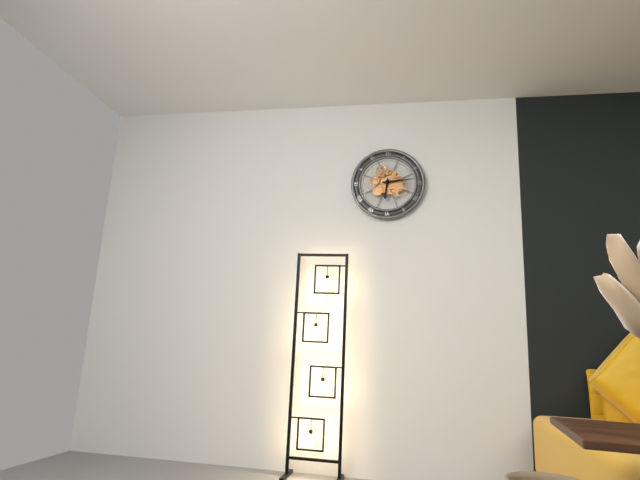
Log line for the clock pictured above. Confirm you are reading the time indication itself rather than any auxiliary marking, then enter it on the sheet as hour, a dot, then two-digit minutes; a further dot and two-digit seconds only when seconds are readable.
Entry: 6.14
